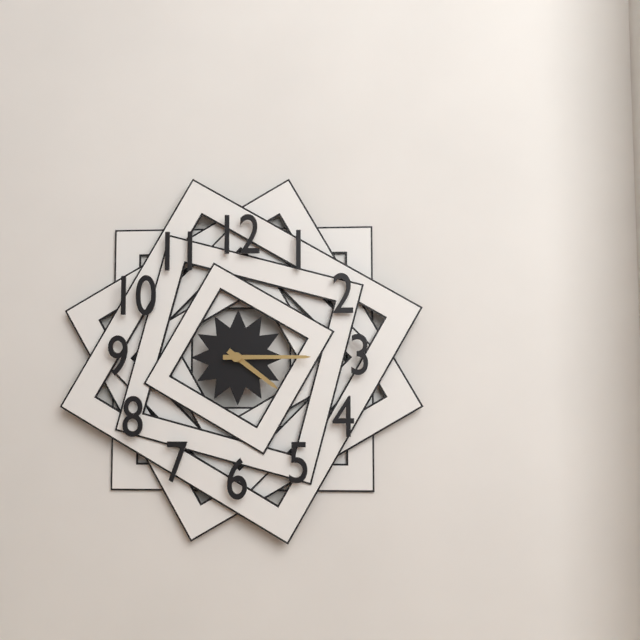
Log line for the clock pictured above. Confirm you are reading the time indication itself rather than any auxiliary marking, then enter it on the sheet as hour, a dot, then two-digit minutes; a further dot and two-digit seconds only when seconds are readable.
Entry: 4.15
